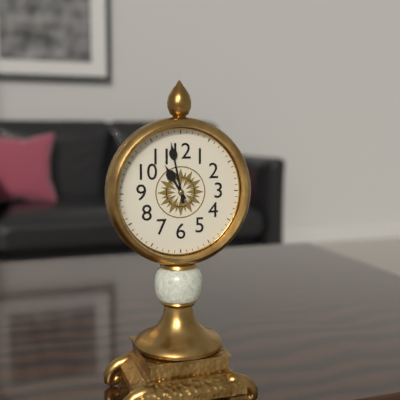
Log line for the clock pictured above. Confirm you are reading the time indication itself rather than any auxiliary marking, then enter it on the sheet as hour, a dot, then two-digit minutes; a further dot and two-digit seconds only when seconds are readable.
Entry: 10.58
